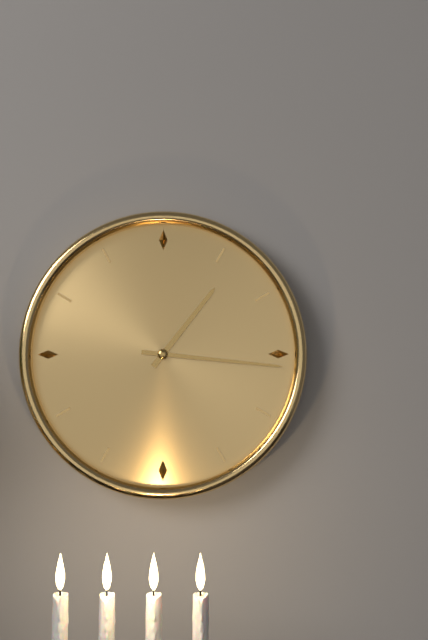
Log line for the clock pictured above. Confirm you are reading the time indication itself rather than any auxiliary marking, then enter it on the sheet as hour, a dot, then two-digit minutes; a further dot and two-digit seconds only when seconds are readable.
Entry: 1.16
